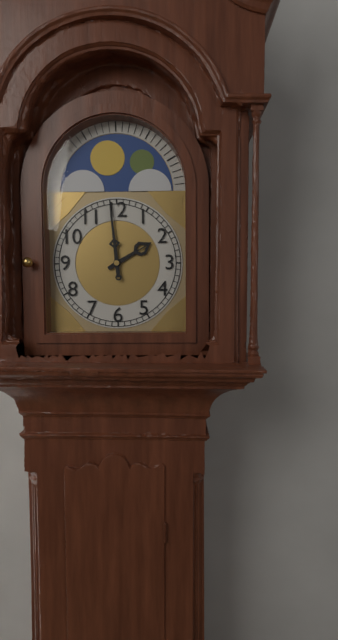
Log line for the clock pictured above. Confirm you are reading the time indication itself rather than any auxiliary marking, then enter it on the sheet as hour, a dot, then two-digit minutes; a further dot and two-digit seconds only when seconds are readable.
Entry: 1.59
